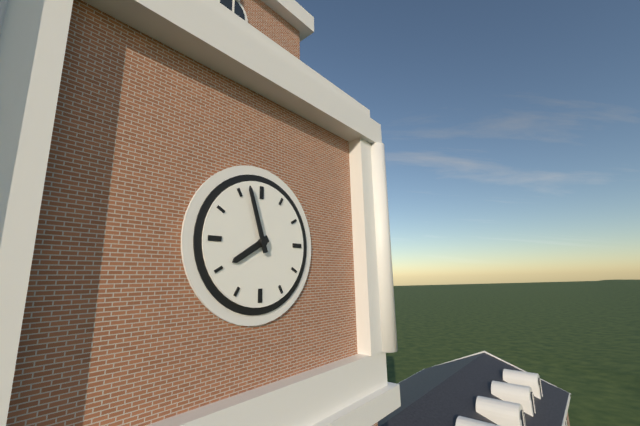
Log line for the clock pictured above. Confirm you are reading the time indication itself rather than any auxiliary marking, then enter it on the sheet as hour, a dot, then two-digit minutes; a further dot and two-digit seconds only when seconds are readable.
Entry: 7.57
